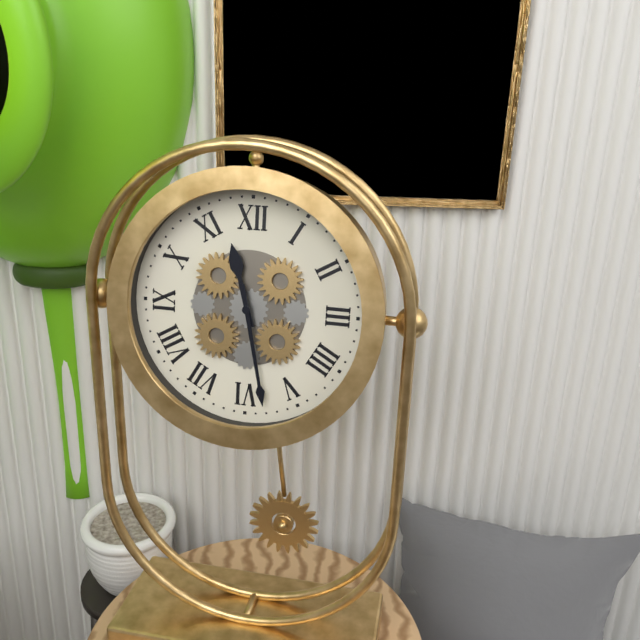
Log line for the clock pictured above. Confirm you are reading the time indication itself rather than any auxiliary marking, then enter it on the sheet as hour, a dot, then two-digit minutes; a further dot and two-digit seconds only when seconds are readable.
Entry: 11.28
